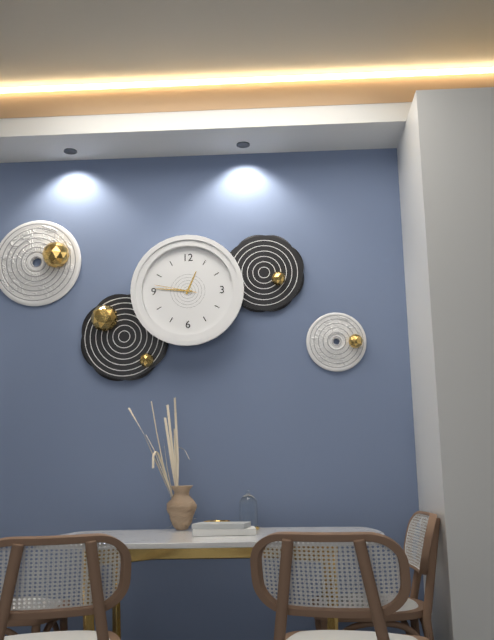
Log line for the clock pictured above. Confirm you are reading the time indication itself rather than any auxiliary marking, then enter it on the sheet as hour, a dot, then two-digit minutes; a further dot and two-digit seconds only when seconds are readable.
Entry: 12.46
